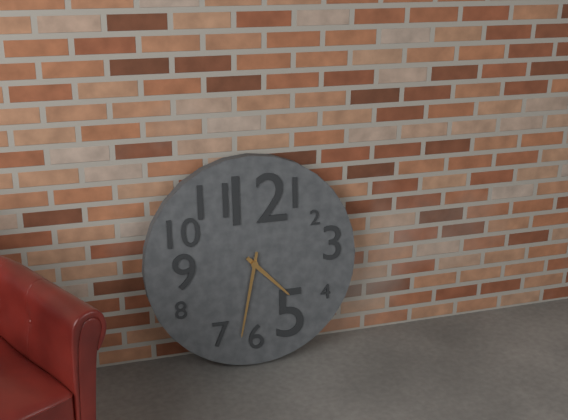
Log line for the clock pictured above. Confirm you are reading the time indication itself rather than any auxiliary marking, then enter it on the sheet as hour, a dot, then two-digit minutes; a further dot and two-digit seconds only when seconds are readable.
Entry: 4.32
